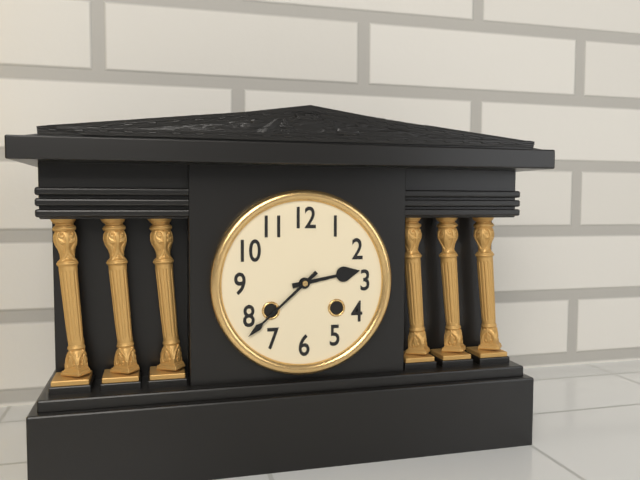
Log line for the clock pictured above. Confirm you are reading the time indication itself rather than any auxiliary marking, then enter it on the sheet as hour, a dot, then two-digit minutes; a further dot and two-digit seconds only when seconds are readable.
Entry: 2.38
